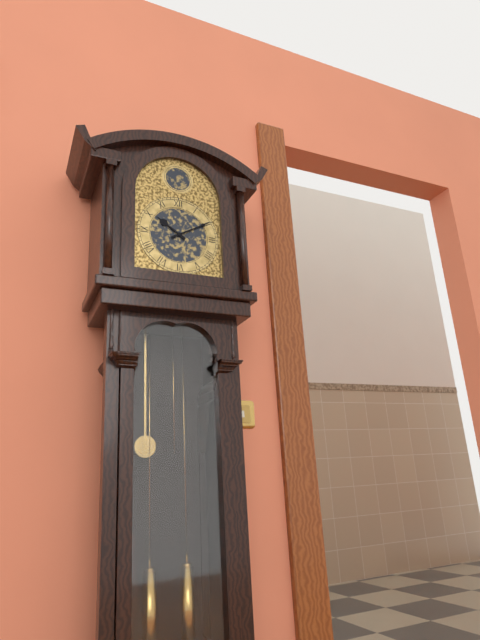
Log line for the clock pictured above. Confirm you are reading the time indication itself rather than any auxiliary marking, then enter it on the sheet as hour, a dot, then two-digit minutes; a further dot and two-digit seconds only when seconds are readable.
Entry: 10.10
